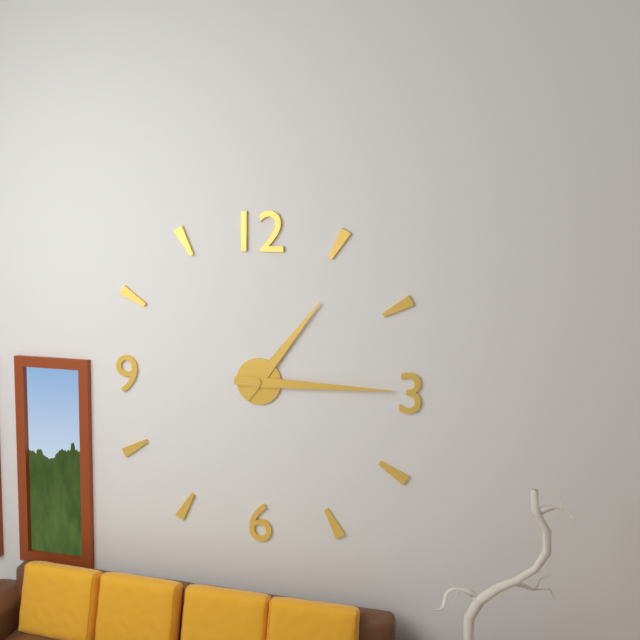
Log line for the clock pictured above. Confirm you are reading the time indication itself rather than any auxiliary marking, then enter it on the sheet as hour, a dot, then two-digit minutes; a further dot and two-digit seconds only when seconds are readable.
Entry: 1.15
